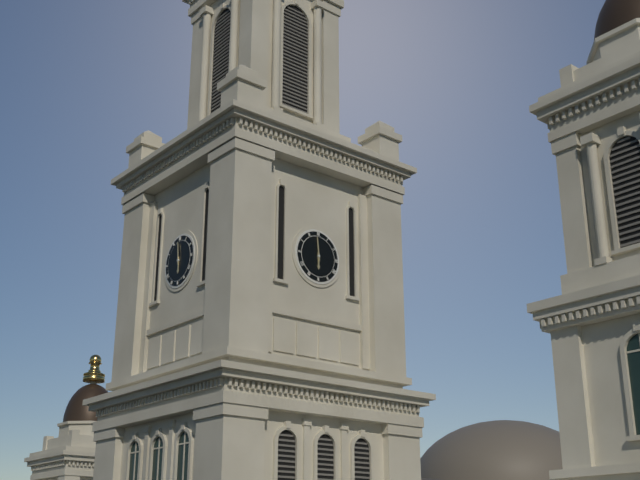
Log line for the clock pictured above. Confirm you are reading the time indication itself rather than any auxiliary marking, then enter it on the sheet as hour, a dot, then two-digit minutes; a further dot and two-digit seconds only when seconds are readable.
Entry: 5.59
